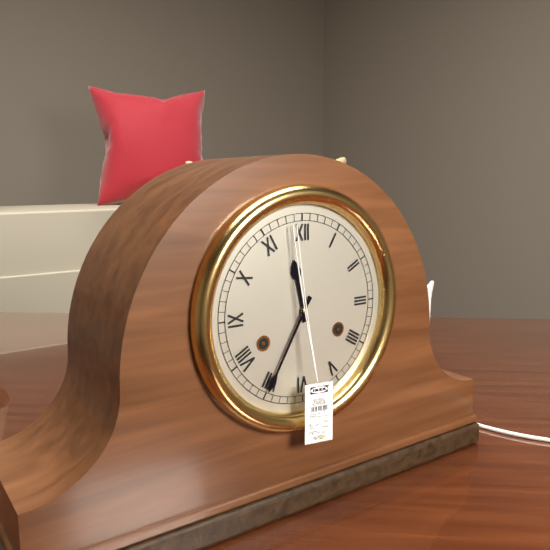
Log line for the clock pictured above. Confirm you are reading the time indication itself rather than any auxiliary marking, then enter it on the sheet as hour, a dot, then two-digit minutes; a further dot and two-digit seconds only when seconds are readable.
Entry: 11.35
